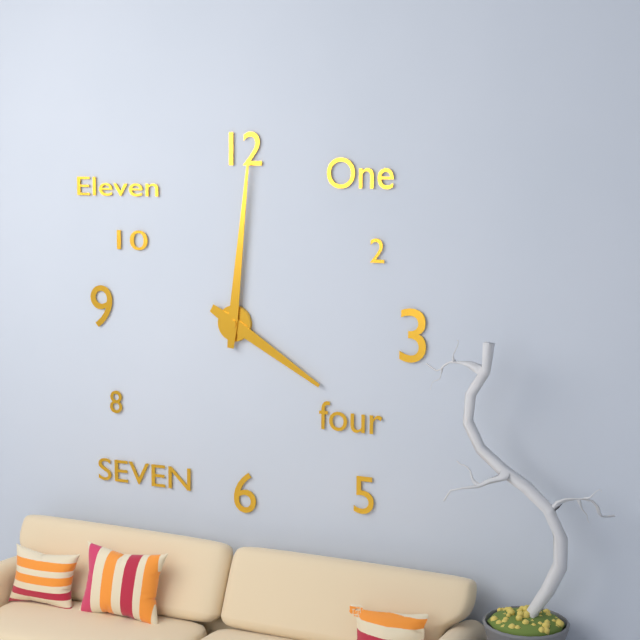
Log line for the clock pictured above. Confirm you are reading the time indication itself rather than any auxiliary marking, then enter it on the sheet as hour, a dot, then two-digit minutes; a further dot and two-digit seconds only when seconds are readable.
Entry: 4.01
